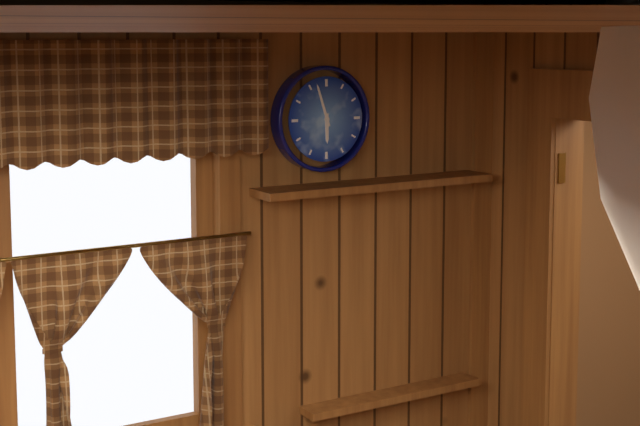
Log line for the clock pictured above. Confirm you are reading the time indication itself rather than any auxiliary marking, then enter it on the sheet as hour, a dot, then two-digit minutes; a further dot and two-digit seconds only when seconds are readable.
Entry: 5.57
